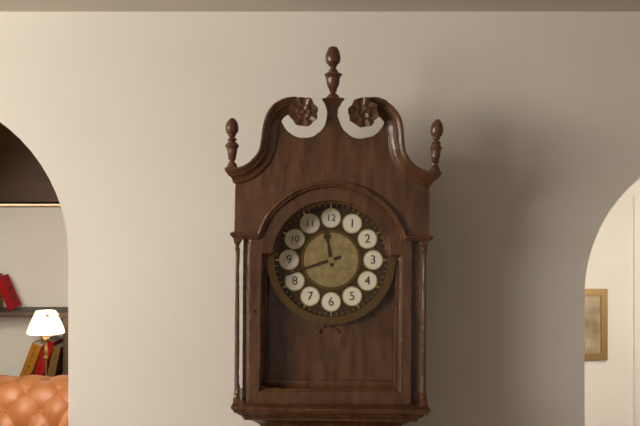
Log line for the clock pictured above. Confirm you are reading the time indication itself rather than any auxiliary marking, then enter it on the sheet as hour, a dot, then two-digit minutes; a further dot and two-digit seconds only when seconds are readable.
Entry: 11.42
